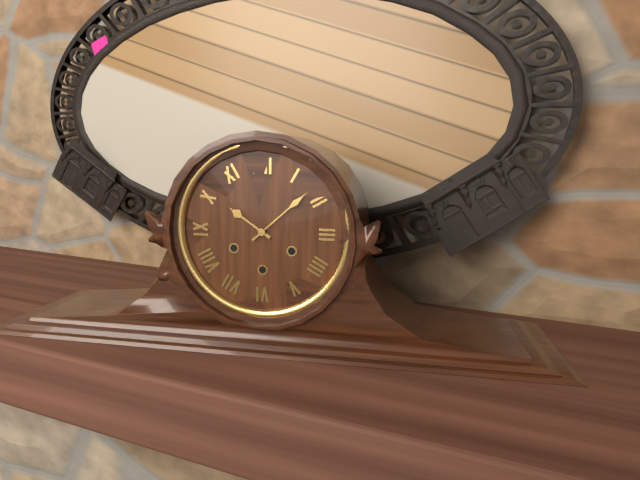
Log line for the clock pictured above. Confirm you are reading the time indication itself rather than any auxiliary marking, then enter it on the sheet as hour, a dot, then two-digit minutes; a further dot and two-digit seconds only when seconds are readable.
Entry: 10.08
